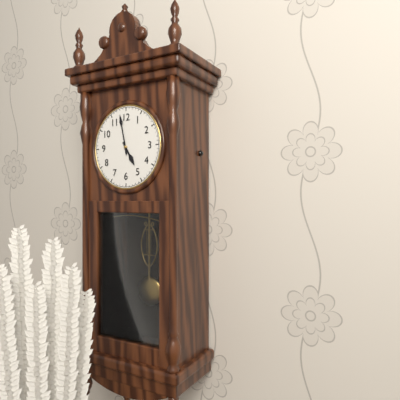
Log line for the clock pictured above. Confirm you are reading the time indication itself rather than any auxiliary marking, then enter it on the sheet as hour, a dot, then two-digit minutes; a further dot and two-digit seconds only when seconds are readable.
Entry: 4.58
